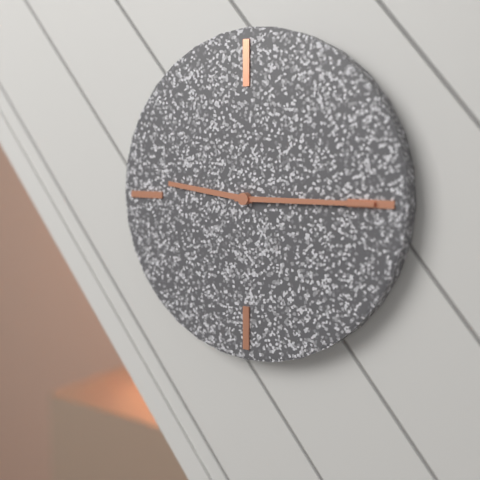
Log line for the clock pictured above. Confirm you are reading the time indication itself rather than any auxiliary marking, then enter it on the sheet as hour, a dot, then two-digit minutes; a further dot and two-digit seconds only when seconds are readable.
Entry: 9.15
